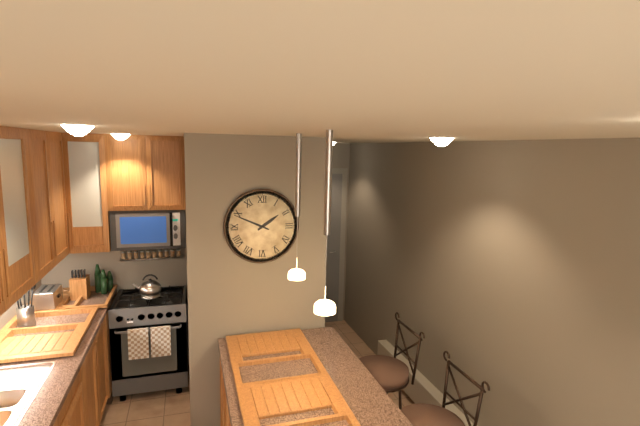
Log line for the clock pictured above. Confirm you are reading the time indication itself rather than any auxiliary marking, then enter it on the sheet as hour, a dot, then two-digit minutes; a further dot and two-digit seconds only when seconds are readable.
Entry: 1.49
